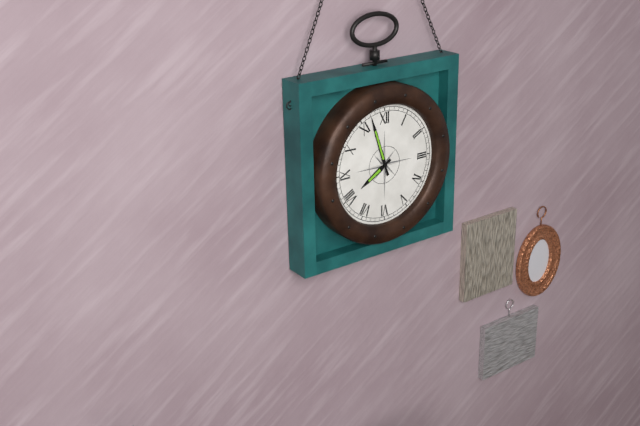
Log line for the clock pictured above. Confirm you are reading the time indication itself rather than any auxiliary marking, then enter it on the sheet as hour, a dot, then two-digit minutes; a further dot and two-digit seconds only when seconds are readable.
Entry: 7.57
